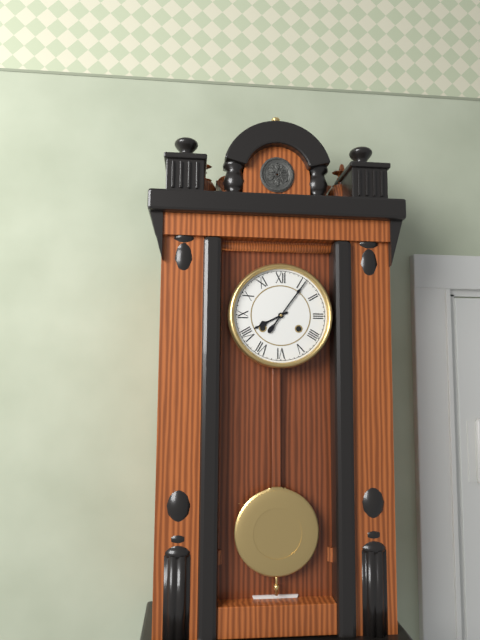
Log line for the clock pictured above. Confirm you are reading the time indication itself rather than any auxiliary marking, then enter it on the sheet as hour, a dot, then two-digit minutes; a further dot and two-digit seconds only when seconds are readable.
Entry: 8.06
